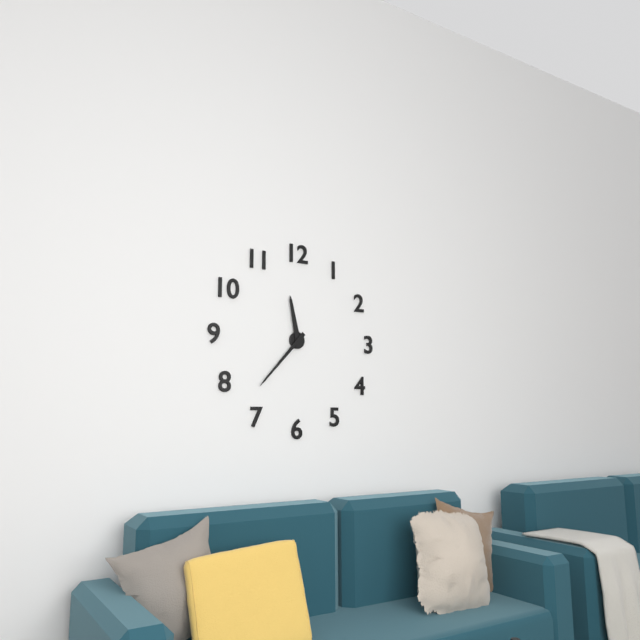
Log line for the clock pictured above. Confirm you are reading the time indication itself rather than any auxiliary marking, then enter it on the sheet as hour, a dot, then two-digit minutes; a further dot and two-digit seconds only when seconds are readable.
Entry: 11.37
